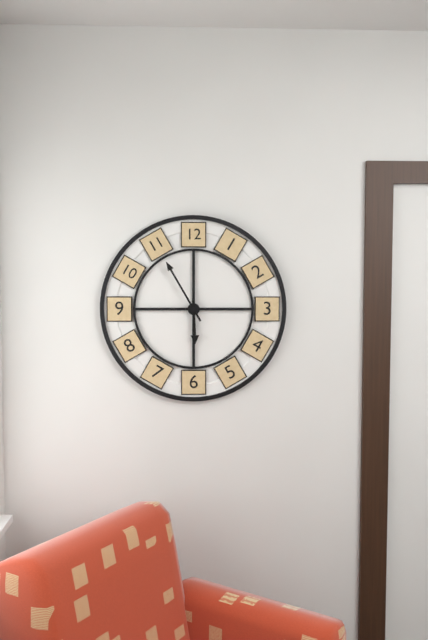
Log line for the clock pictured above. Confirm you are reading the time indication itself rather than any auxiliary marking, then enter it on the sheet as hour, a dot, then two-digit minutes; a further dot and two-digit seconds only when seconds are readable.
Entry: 5.55
